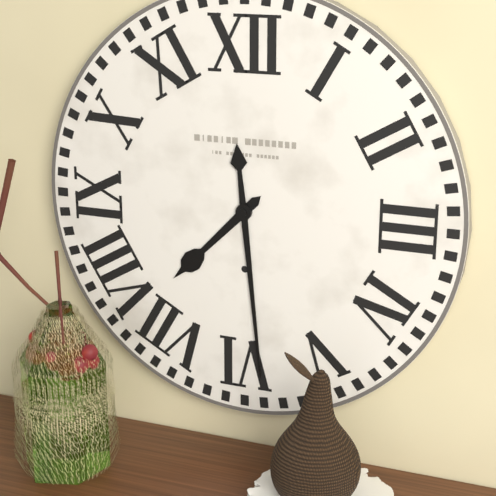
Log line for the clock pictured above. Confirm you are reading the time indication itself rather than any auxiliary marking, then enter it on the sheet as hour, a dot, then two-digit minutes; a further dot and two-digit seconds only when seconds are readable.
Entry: 7.29
